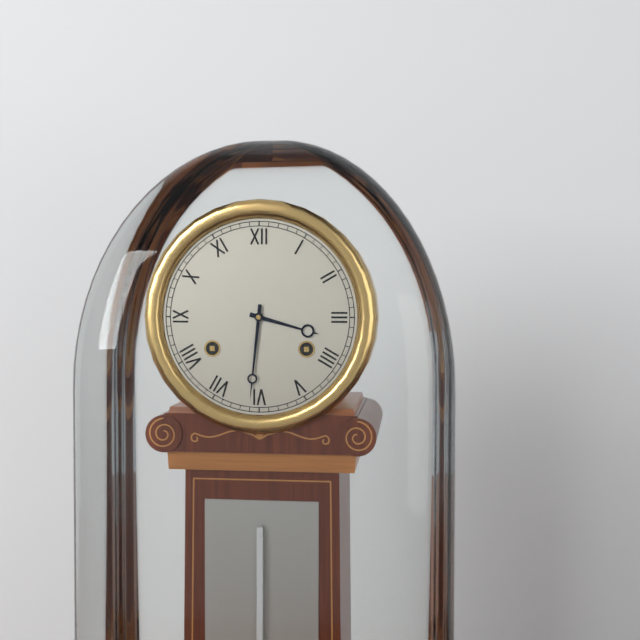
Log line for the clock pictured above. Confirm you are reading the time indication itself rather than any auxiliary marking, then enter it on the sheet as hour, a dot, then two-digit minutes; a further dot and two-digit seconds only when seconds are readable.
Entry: 3.31
